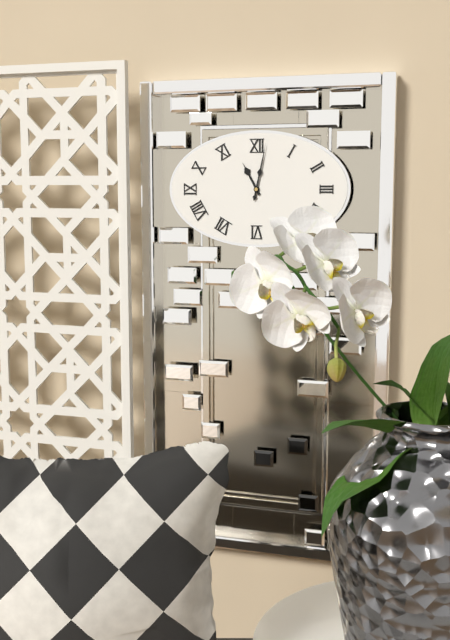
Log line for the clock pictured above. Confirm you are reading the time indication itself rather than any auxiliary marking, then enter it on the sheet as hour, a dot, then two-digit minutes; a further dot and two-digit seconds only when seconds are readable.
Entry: 11.02
